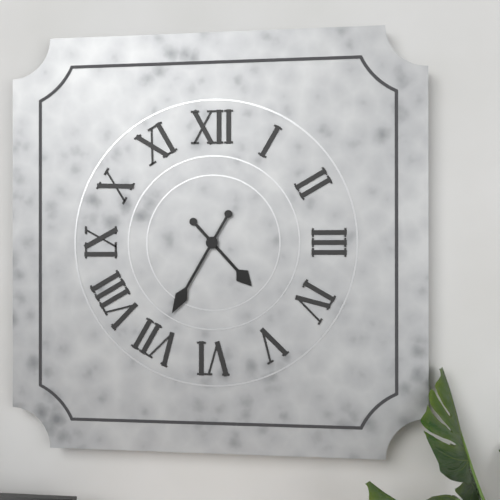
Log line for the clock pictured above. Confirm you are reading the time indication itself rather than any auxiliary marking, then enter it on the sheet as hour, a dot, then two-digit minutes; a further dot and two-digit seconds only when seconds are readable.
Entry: 4.35
